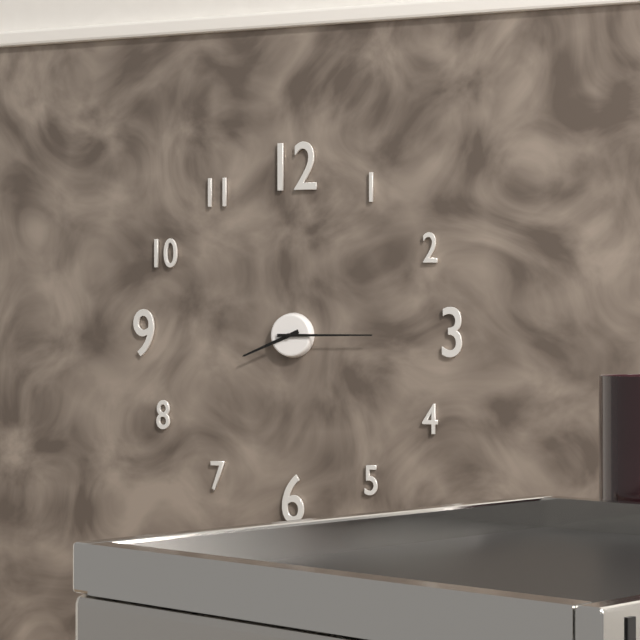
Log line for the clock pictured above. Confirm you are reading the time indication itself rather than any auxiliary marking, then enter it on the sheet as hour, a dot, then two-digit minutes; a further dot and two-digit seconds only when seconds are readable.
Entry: 8.15
